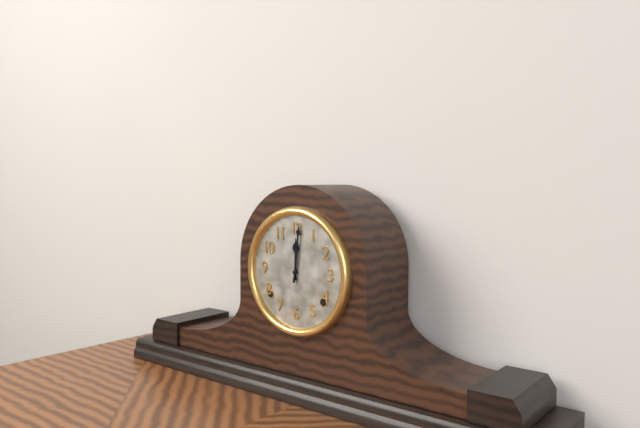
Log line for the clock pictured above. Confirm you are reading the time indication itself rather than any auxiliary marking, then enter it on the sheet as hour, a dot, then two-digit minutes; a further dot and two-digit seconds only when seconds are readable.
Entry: 12.01
